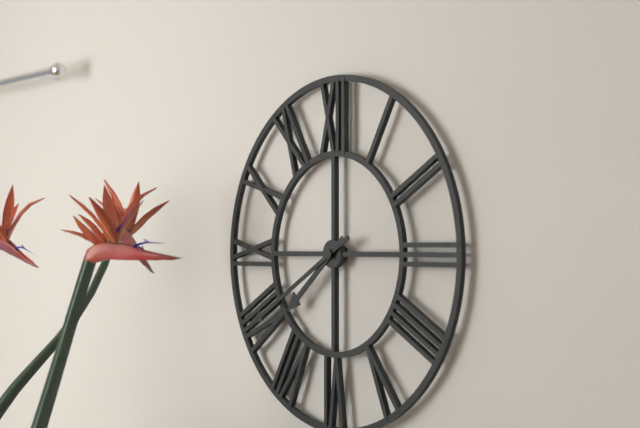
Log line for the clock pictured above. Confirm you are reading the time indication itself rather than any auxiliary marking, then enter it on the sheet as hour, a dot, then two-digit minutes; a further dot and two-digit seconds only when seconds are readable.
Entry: 7.40
